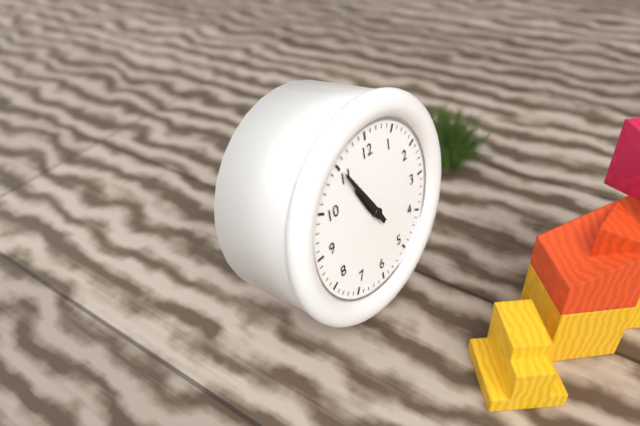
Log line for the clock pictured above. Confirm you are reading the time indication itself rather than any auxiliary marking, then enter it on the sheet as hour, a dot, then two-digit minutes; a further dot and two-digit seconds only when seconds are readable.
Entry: 10.55
